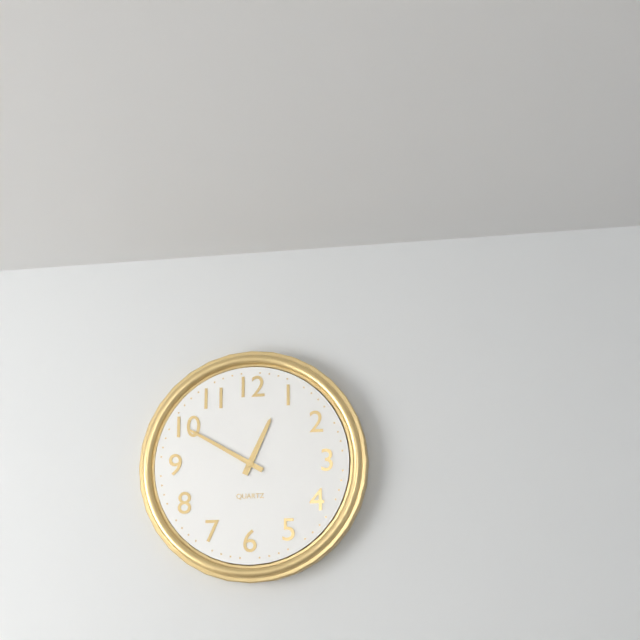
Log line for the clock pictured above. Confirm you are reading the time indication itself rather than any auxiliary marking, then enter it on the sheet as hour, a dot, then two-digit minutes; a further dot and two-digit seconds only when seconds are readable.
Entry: 12.50
